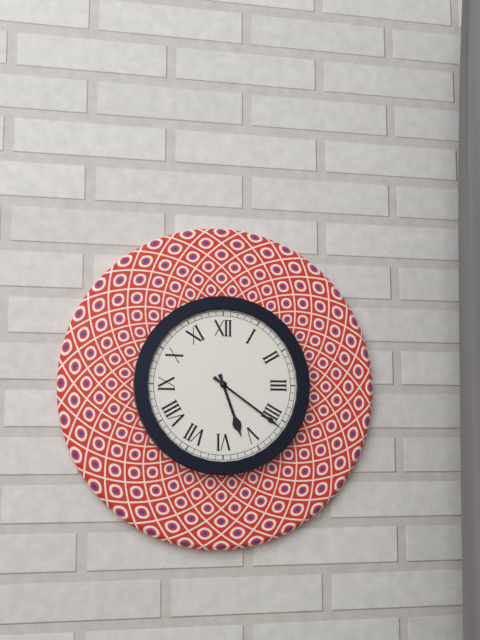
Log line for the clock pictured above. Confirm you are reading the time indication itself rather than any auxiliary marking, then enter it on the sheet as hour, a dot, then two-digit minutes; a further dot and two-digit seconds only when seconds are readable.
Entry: 5.21
